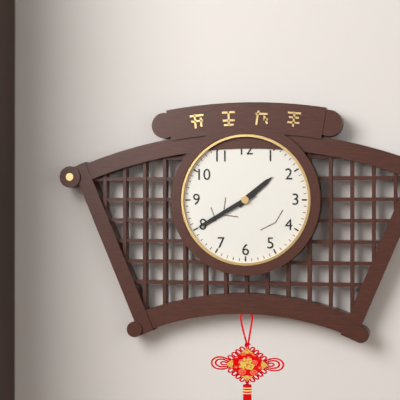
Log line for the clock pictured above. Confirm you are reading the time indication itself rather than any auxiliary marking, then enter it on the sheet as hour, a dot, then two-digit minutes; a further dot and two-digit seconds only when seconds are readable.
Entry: 1.40
